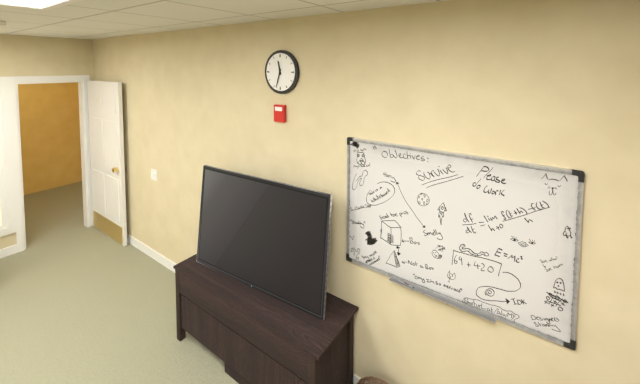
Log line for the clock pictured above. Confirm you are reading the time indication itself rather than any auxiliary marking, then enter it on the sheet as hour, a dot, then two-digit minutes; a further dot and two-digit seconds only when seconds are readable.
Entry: 11.33
